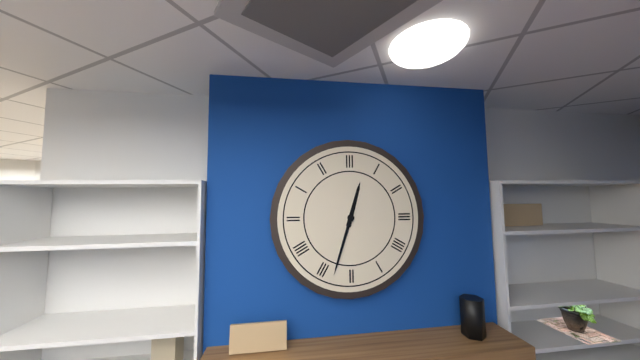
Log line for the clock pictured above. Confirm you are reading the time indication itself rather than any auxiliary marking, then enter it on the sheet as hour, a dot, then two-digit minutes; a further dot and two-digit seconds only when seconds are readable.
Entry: 12.33
